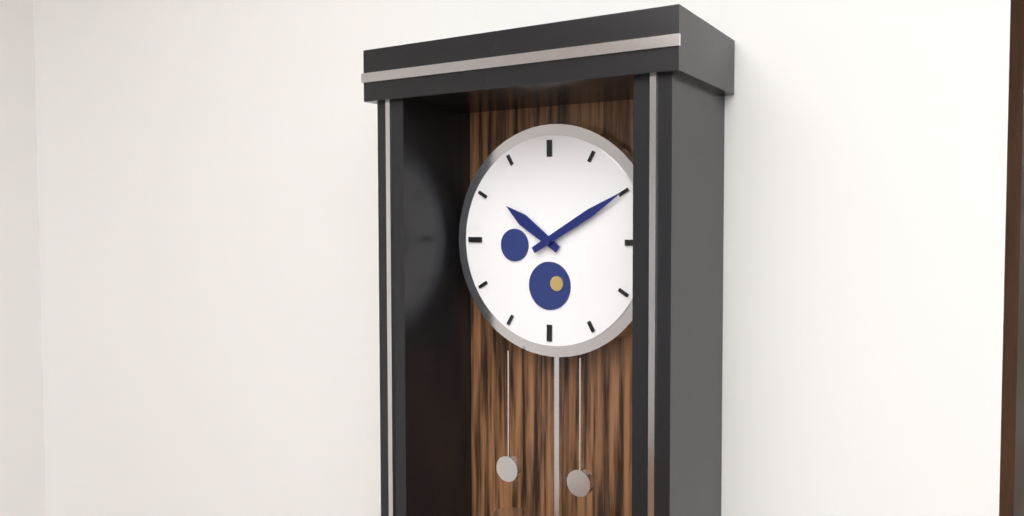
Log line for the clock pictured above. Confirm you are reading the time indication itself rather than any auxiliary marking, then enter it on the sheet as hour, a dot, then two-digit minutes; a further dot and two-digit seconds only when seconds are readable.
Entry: 10.10
